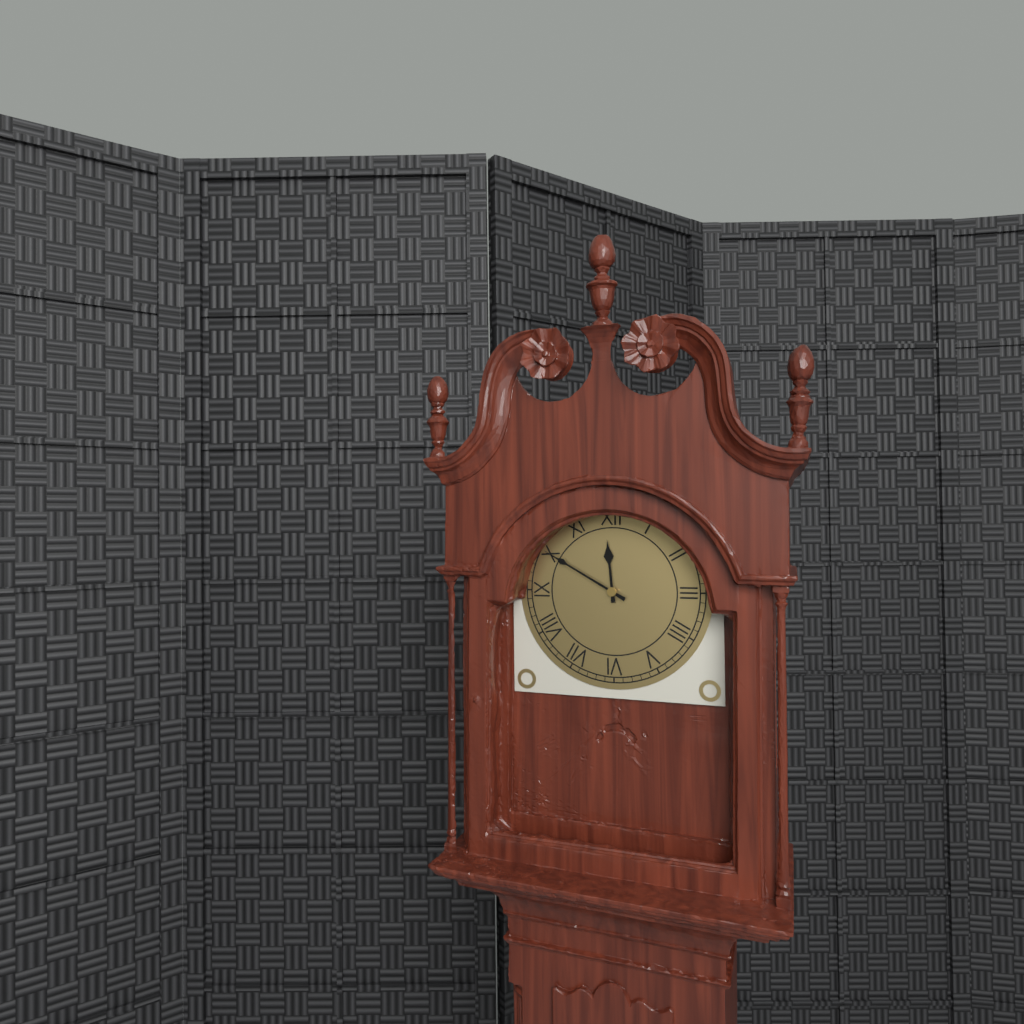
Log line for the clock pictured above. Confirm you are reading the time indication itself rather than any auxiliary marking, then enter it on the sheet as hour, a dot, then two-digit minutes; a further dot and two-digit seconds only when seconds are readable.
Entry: 11.50
